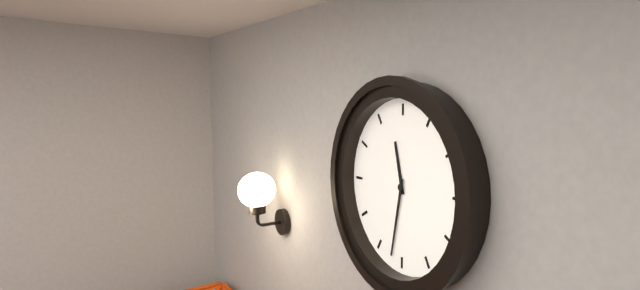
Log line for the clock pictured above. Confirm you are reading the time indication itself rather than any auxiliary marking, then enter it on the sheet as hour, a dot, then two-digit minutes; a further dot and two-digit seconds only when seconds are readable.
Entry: 11.32
